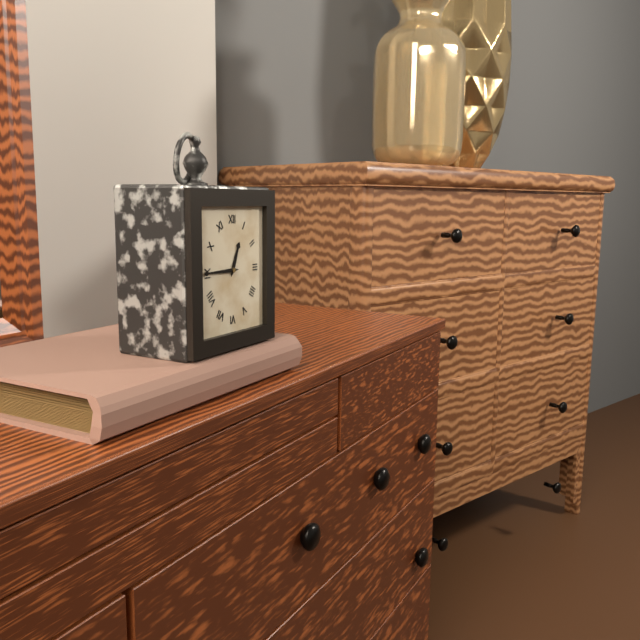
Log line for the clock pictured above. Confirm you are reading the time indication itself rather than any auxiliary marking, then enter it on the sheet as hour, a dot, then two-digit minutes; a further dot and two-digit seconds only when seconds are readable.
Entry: 12.45
